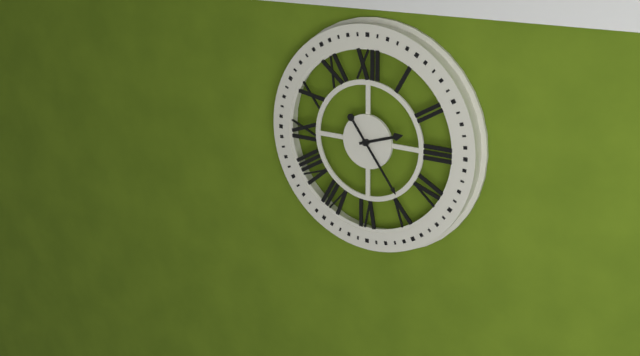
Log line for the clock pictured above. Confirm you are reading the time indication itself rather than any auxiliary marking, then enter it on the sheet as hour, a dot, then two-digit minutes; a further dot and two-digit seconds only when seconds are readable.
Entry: 2.24
